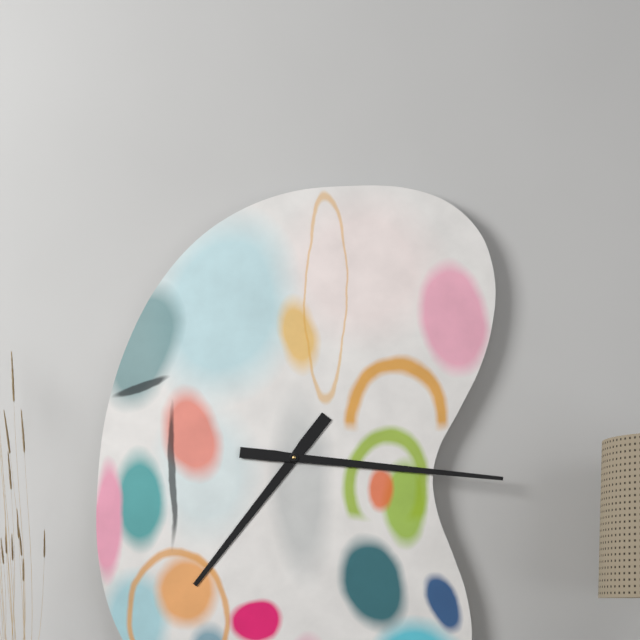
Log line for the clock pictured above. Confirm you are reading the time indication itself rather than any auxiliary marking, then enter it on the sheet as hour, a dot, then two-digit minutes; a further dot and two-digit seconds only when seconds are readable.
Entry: 7.16
